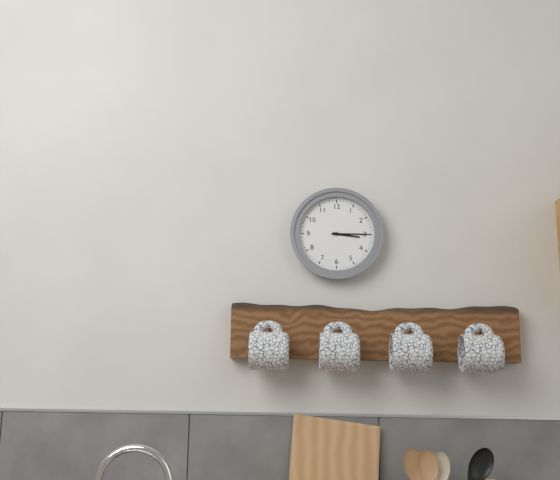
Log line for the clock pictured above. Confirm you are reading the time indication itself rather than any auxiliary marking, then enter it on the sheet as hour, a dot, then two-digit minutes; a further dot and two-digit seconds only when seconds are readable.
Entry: 3.15
